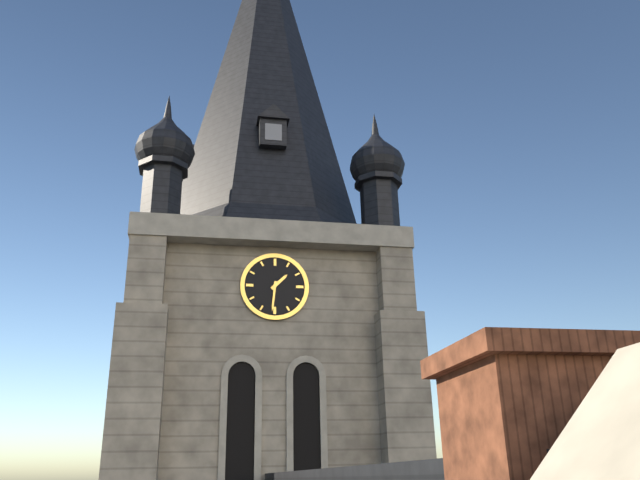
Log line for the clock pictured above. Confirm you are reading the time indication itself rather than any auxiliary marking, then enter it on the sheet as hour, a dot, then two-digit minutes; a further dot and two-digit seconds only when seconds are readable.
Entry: 1.31
